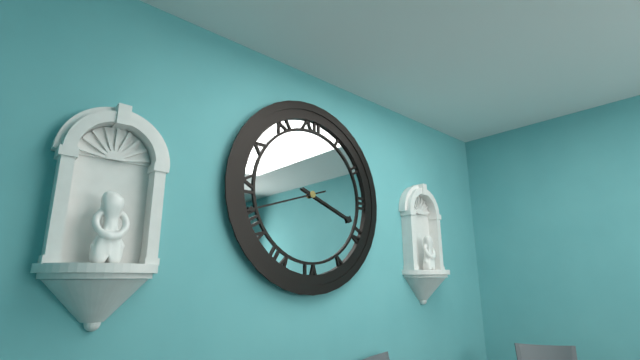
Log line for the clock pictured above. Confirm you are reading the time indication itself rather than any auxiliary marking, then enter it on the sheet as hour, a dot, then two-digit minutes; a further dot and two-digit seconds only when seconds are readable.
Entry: 3.42
